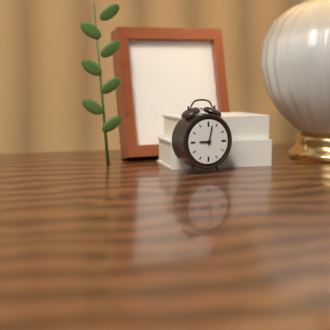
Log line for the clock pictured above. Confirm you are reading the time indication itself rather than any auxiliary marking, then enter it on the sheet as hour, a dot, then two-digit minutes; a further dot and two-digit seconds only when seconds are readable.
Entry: 9.02
